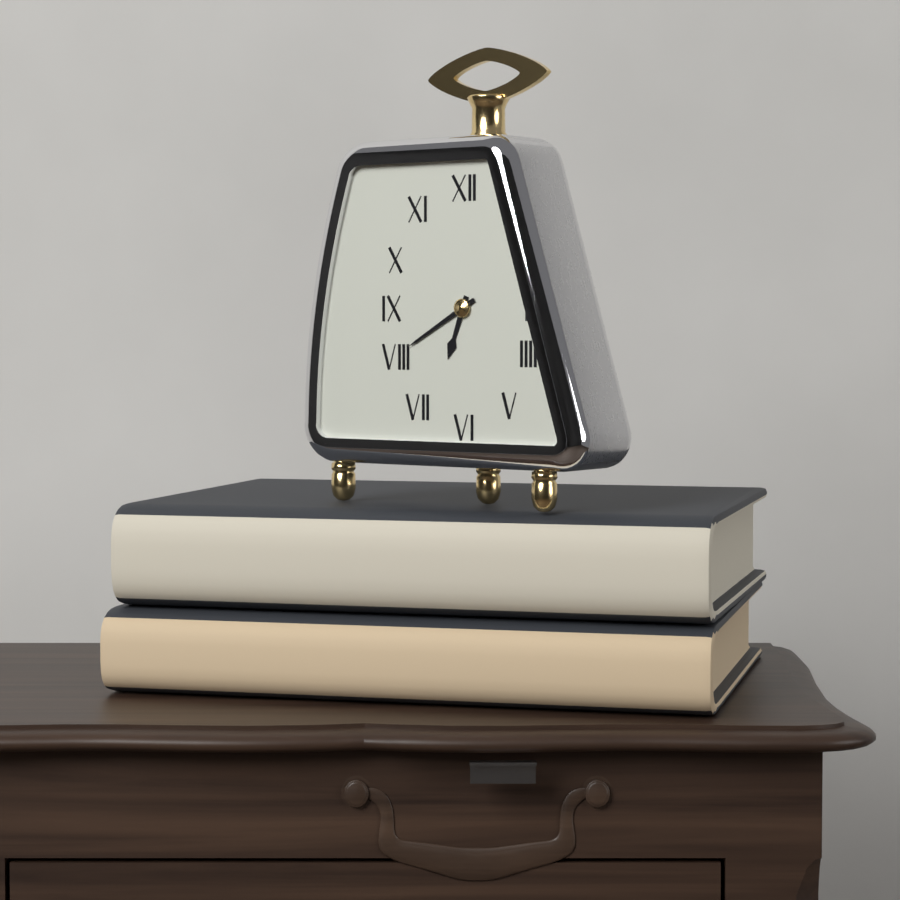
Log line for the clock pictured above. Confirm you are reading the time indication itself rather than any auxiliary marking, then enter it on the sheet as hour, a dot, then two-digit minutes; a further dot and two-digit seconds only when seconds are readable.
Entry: 6.40
